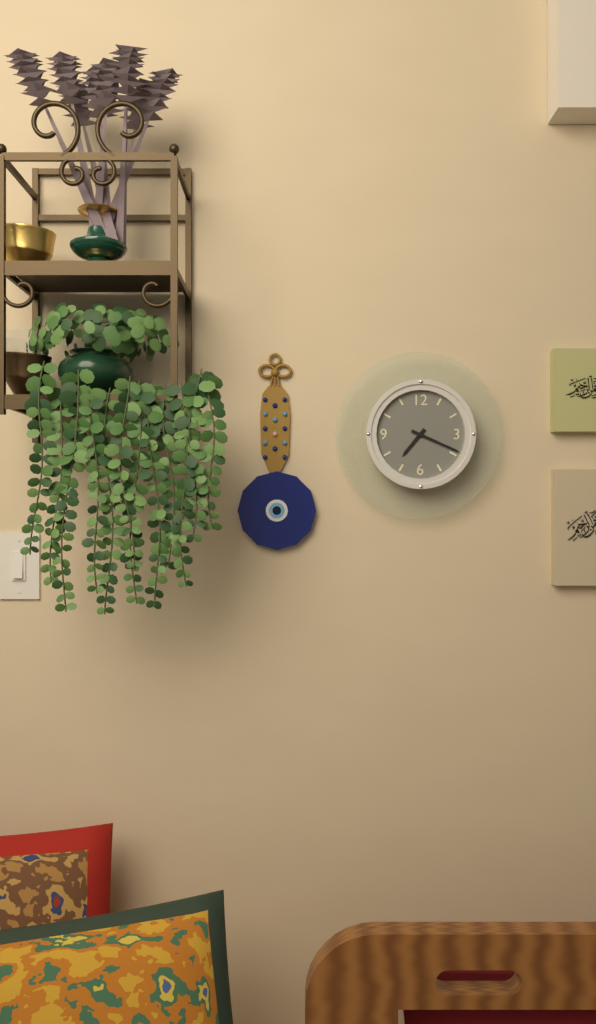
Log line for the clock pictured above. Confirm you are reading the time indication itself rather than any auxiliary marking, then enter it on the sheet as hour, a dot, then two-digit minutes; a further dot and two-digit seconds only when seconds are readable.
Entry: 7.19
